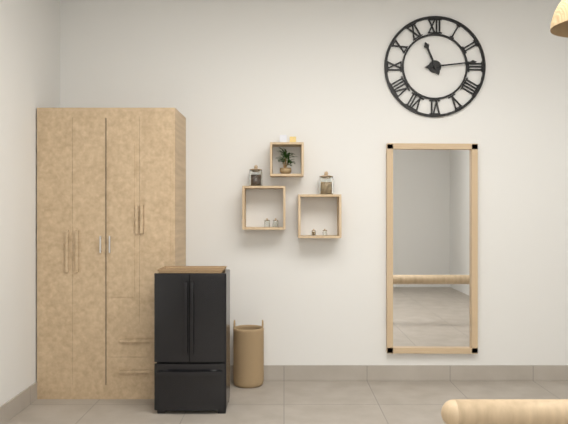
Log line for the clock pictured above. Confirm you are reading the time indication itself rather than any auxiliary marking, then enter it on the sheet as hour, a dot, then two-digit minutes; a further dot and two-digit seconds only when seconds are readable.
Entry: 11.14
